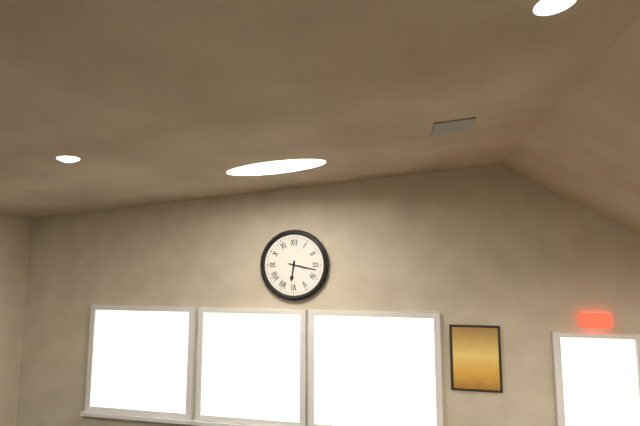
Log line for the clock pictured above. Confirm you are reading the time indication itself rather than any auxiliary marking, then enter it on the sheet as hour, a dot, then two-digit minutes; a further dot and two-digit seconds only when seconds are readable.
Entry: 6.17
